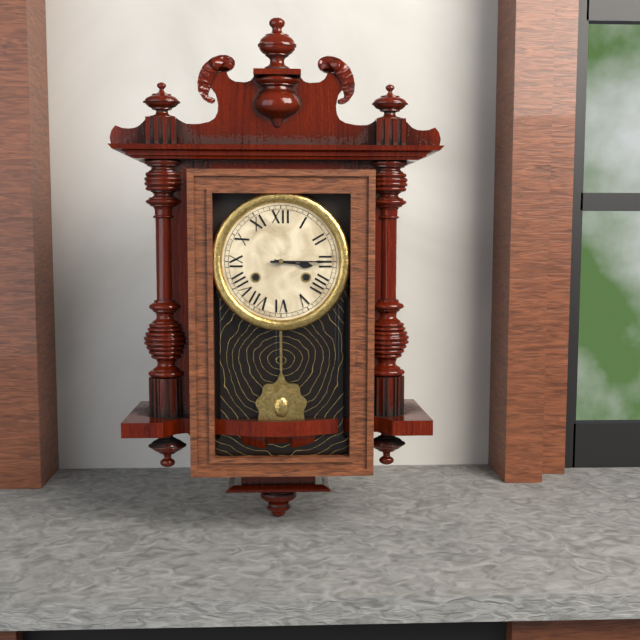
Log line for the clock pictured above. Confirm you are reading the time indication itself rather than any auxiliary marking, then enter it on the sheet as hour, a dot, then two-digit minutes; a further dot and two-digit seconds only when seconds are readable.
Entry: 3.15
